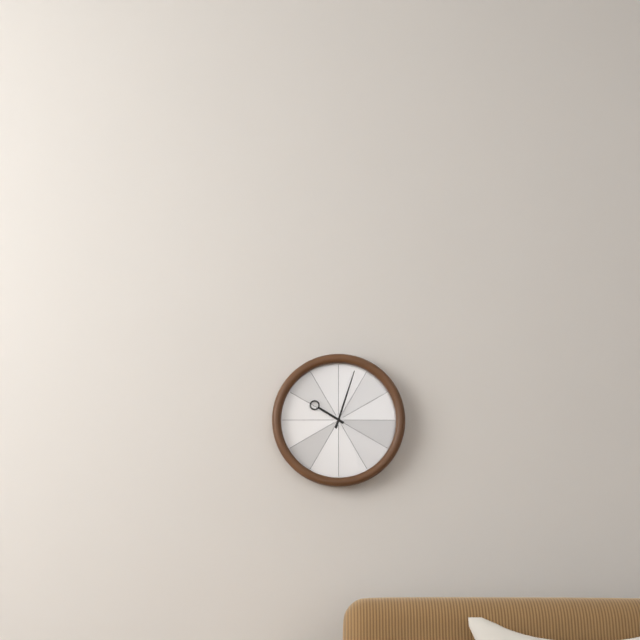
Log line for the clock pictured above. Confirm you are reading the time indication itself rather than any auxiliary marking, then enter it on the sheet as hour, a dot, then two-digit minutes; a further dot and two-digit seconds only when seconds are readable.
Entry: 10.03
